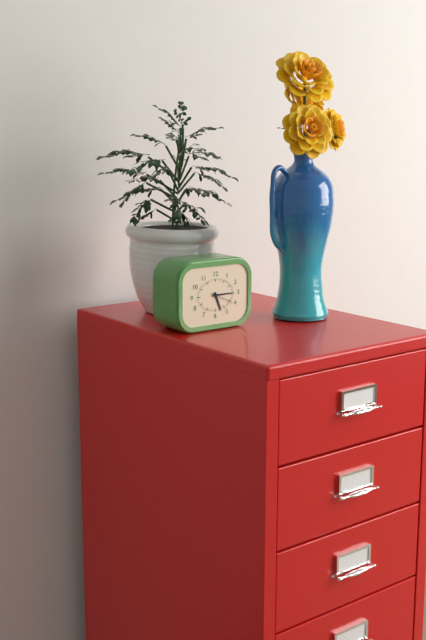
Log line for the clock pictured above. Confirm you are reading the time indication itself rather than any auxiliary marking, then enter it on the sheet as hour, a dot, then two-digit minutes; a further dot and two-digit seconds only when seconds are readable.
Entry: 5.15
